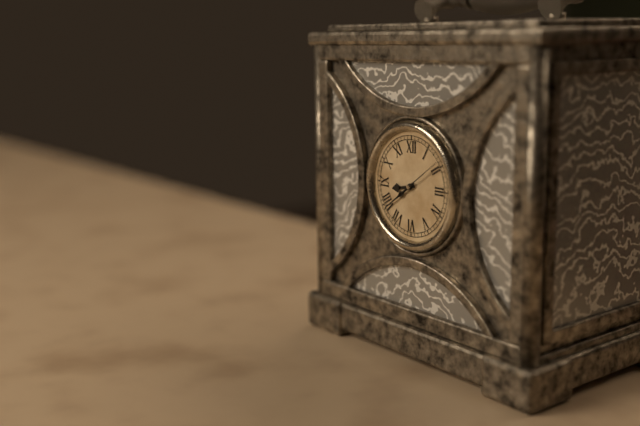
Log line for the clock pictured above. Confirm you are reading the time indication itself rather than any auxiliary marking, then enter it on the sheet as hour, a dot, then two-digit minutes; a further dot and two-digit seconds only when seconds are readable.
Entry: 8.39
